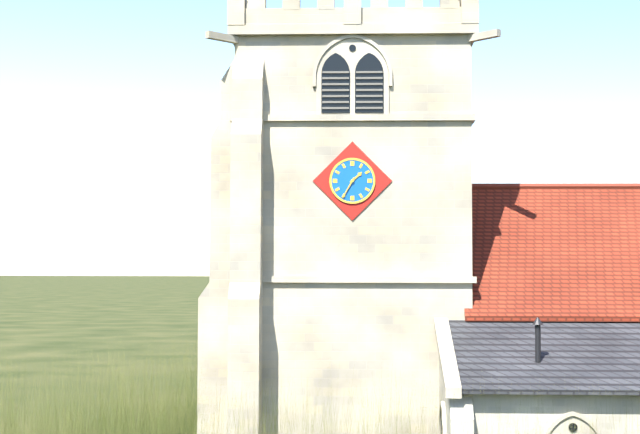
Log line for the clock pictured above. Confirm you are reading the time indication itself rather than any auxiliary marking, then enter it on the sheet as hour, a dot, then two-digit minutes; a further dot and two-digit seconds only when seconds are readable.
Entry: 1.35
